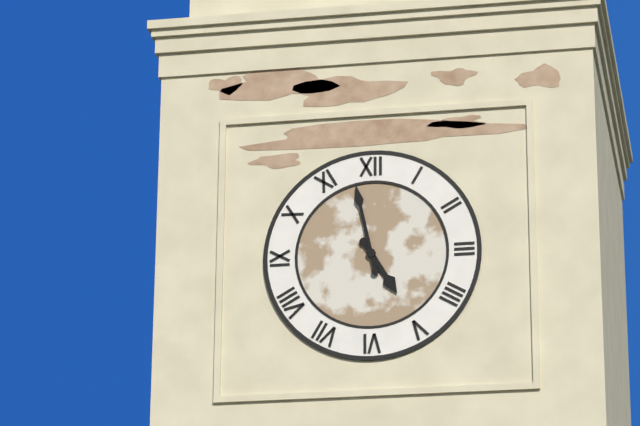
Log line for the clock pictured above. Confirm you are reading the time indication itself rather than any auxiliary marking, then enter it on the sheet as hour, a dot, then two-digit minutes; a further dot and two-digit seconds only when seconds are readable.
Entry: 4.58
